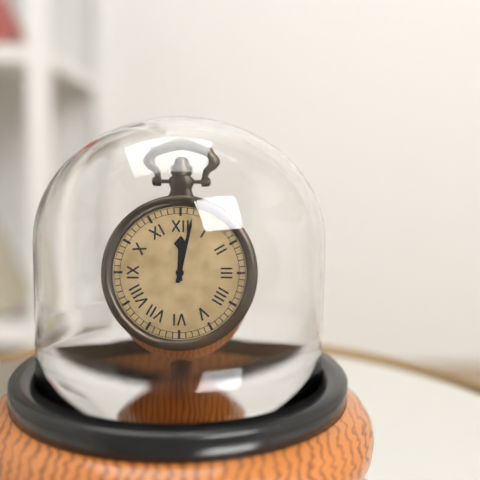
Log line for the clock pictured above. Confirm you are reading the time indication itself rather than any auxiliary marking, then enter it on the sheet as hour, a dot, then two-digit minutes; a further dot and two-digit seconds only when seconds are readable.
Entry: 12.02
